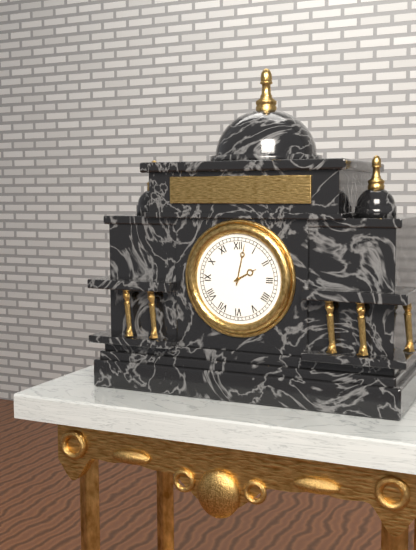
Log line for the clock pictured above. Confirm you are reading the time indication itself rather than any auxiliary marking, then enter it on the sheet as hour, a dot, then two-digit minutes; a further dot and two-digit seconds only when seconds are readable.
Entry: 2.02
